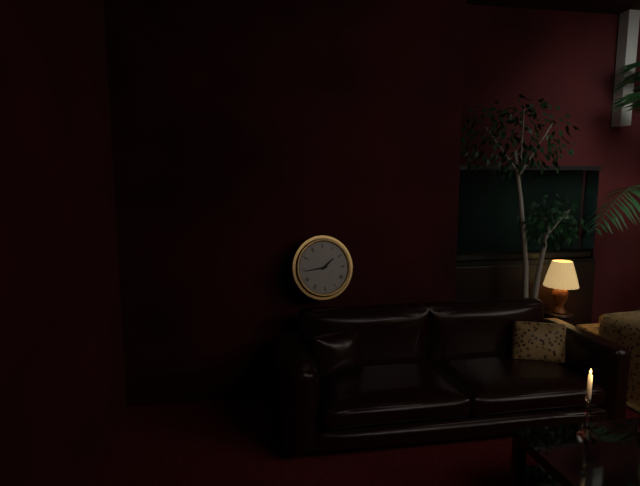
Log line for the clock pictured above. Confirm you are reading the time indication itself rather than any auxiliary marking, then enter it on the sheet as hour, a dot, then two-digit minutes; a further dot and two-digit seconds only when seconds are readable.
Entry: 1.44
